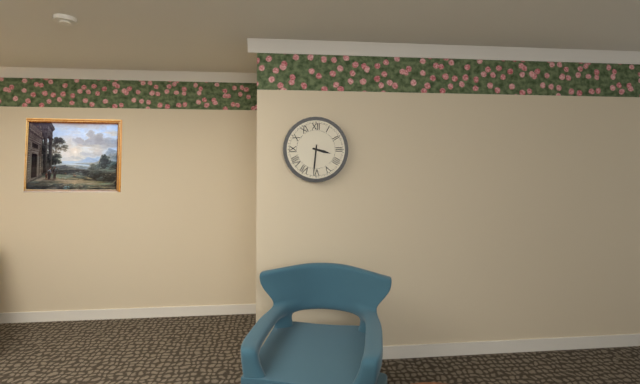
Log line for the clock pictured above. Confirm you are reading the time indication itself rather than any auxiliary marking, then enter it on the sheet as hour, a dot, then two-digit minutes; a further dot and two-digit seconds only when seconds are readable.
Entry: 3.31
